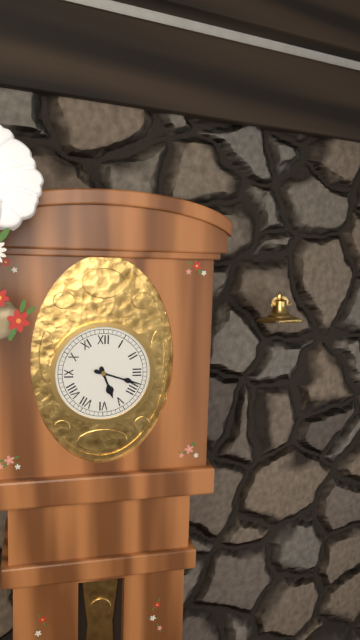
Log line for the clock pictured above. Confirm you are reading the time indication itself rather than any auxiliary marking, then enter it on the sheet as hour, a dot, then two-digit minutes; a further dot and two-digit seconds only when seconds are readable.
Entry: 5.18
